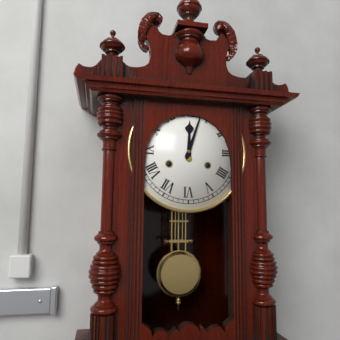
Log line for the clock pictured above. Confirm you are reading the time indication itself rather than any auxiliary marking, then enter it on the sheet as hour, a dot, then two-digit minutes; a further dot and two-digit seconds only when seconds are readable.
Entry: 12.03
